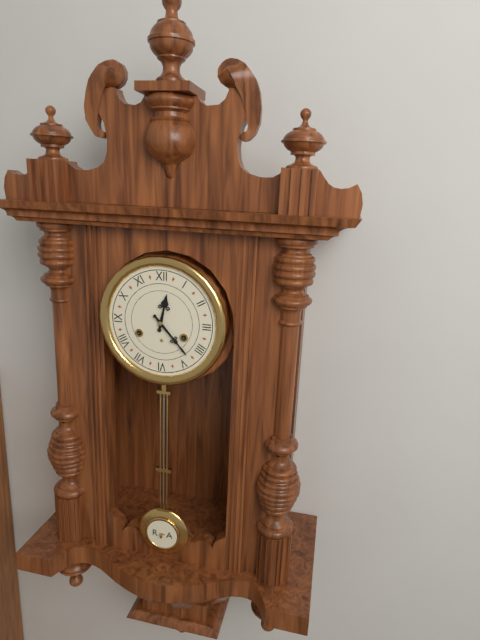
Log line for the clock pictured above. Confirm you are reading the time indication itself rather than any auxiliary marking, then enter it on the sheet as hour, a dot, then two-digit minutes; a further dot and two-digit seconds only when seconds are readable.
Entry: 12.23
